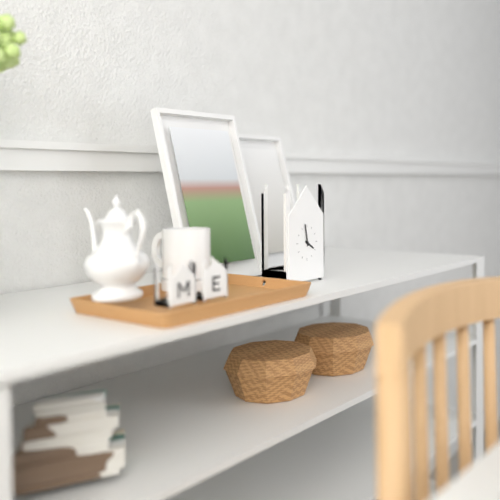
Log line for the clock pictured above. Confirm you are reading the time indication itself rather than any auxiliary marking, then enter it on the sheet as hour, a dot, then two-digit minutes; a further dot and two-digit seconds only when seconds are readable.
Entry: 3.58
